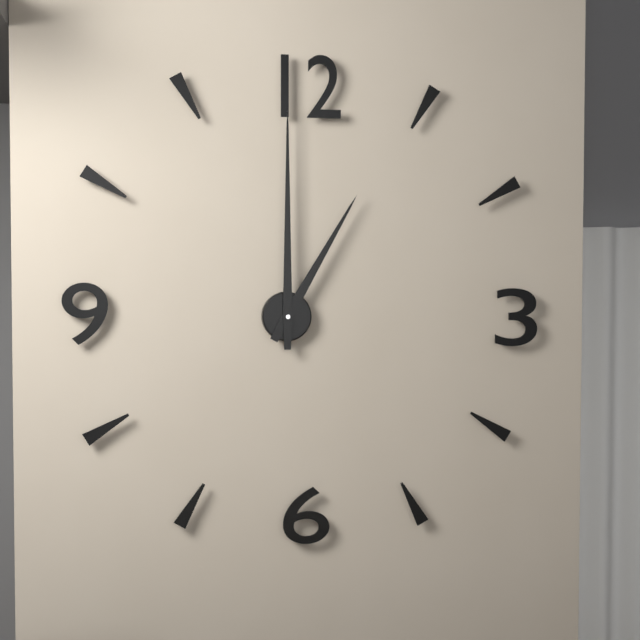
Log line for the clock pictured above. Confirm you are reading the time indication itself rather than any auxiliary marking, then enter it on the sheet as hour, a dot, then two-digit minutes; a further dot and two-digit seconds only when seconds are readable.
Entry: 1.00
